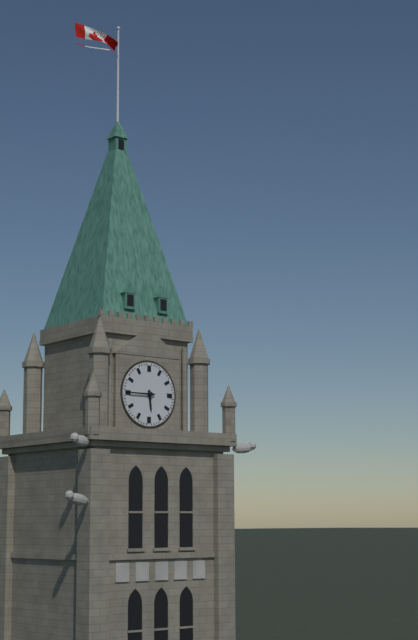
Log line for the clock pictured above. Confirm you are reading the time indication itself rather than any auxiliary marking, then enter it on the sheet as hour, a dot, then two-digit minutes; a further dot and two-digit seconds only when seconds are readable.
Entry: 5.45
